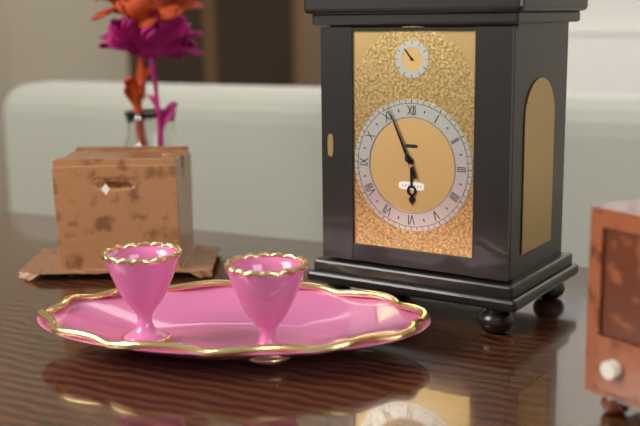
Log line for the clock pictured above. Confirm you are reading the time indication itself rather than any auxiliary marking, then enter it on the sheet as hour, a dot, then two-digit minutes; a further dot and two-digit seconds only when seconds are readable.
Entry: 5.56
